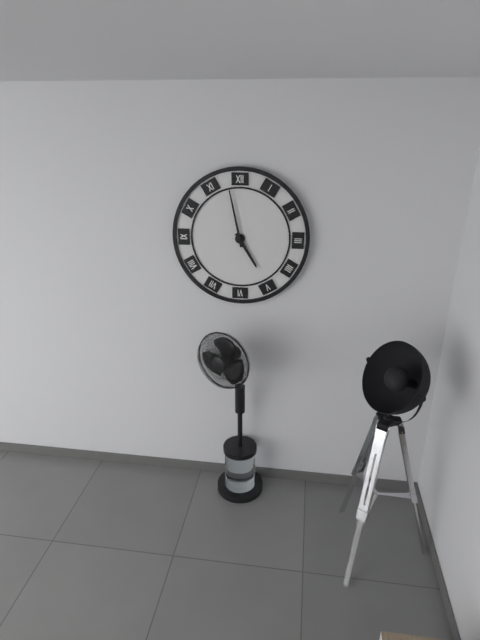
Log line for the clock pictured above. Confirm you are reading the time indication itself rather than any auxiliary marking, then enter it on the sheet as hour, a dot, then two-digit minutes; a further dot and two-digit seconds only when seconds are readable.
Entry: 4.58
